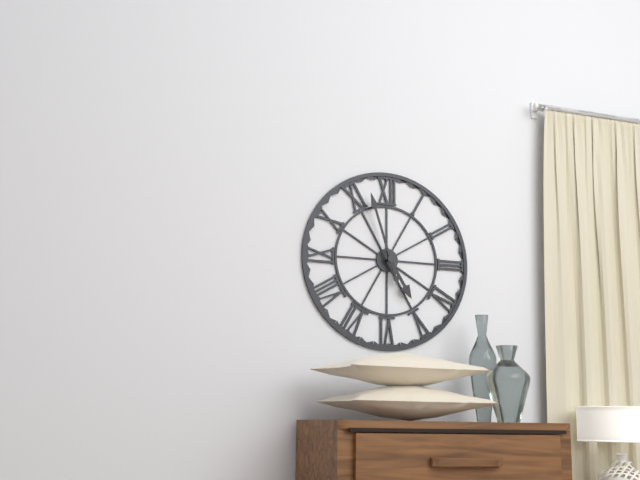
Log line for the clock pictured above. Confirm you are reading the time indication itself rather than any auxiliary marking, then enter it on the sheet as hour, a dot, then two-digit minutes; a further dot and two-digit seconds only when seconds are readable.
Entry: 4.57
